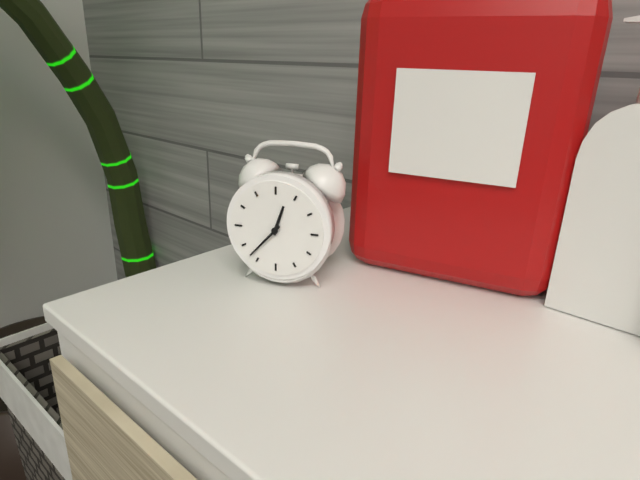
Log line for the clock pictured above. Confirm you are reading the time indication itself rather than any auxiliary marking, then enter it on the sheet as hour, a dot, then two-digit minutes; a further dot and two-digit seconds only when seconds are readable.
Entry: 12.37
